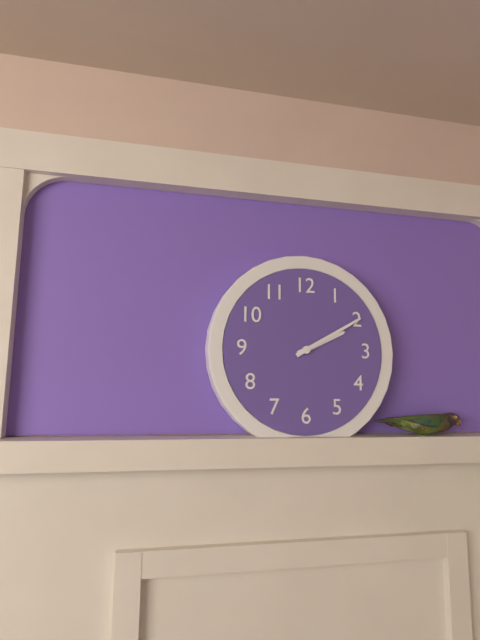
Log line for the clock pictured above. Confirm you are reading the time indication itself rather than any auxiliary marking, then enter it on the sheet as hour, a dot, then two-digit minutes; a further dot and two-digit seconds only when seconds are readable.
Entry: 2.10
